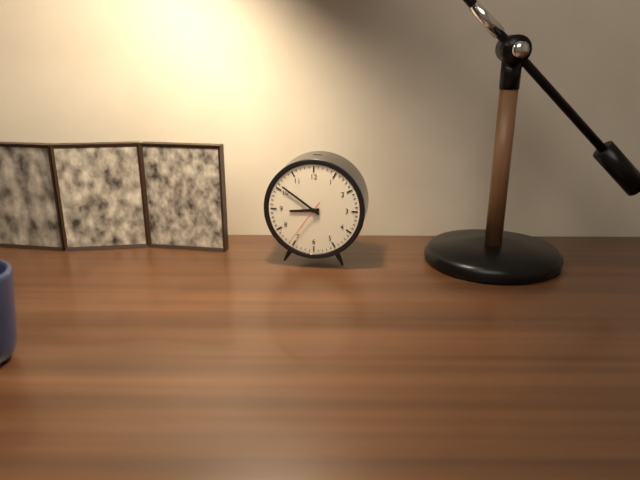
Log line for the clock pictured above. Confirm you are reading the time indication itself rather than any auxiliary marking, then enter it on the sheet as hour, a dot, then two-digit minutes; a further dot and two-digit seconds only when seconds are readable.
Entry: 8.51
